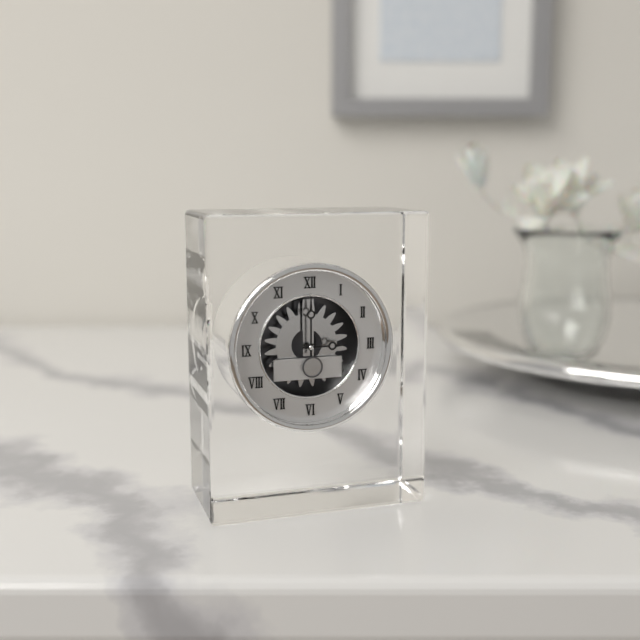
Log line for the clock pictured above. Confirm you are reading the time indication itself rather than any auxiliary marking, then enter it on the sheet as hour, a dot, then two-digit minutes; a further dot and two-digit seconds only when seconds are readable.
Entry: 3.00
